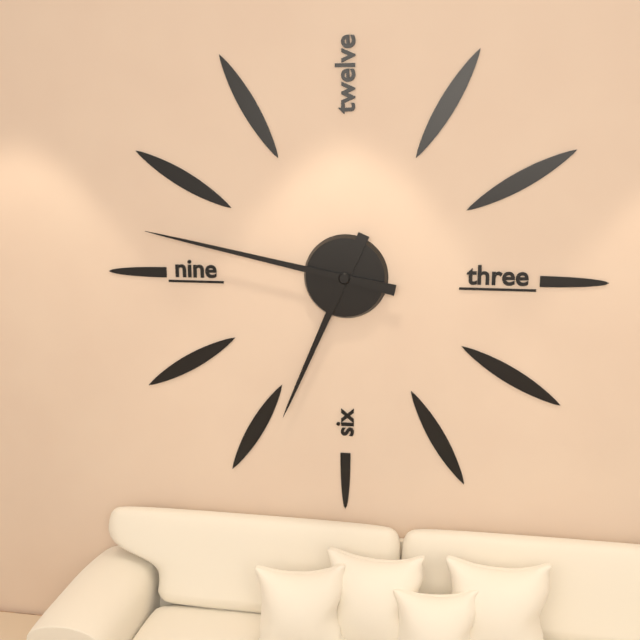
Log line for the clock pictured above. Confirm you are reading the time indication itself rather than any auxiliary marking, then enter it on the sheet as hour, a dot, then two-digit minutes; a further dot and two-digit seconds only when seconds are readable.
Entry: 6.47
